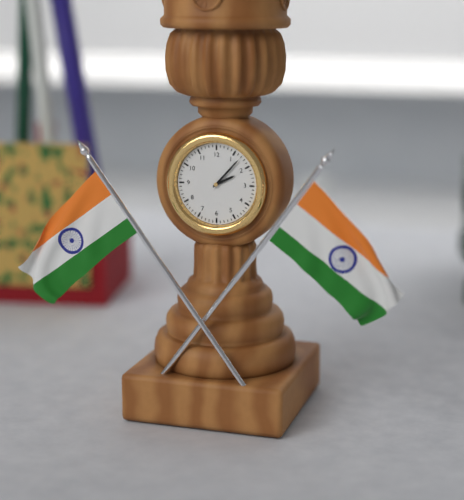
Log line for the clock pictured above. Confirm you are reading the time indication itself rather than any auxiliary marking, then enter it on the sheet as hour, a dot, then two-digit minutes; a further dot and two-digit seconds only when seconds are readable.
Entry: 2.07
